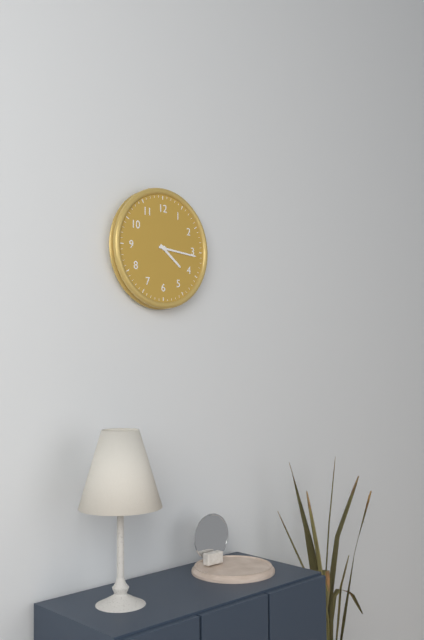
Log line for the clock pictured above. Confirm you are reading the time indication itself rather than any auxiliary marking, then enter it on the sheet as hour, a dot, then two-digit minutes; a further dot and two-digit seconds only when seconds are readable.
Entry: 4.16
